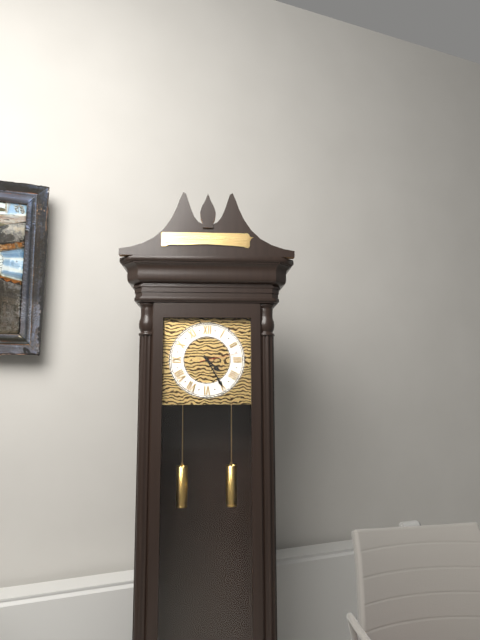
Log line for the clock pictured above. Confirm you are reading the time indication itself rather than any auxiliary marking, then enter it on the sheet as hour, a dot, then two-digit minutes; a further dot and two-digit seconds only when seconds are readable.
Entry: 4.25
